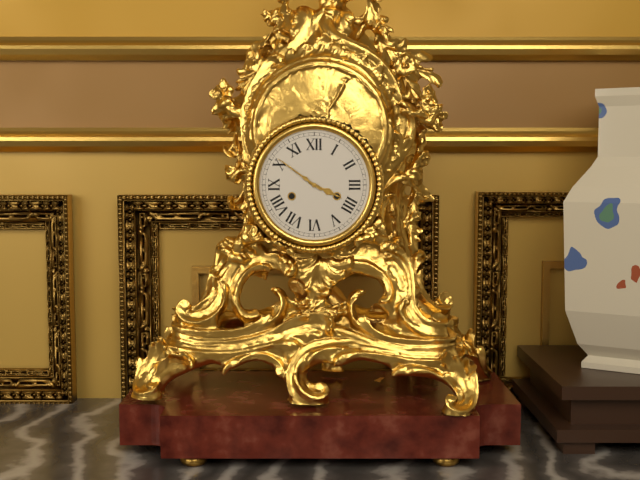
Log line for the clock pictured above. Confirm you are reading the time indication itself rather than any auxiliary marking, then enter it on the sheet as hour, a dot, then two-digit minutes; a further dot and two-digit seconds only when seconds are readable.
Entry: 3.51
